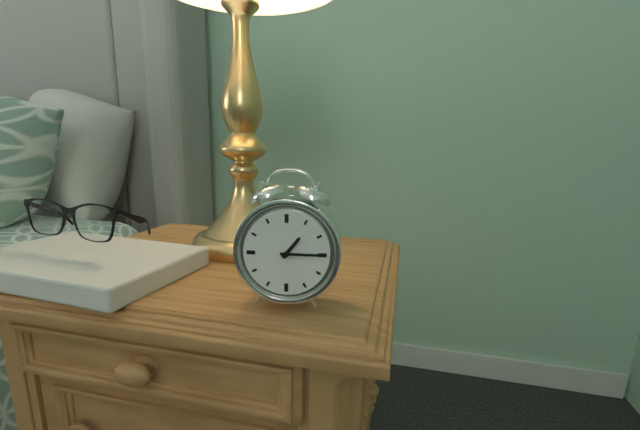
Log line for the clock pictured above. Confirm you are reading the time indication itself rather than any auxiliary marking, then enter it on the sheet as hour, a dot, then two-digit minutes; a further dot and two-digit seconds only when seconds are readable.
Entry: 1.15
